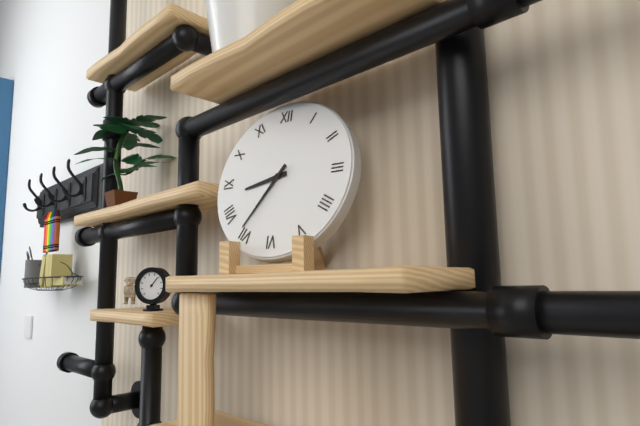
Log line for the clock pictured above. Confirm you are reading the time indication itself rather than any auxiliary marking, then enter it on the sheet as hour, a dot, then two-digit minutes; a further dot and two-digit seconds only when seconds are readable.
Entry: 8.36
